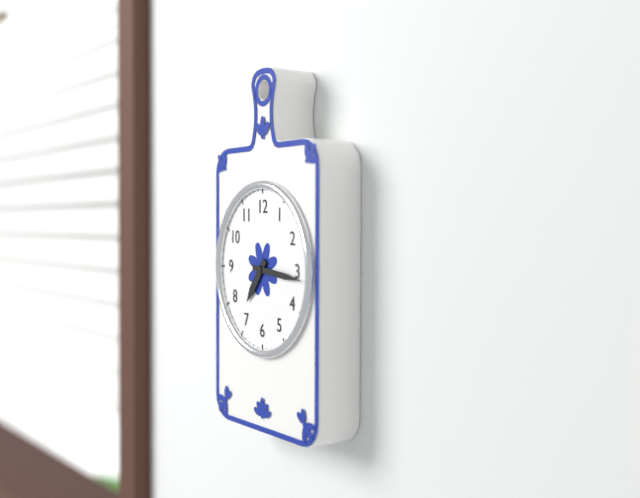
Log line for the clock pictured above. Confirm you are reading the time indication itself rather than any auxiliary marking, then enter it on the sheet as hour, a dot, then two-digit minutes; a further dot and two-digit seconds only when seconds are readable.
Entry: 7.16
